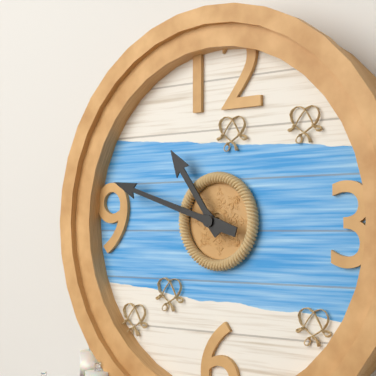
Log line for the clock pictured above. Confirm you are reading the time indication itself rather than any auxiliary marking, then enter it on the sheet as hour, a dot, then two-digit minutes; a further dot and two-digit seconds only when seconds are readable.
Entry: 10.48
